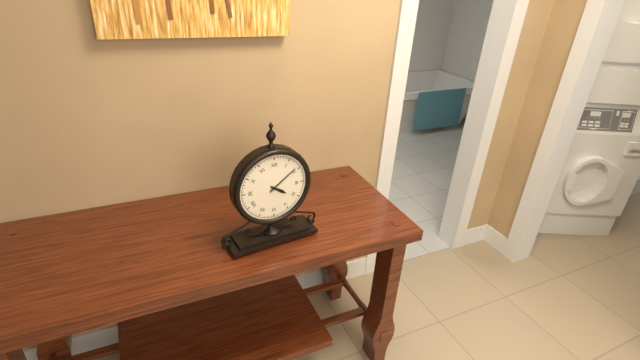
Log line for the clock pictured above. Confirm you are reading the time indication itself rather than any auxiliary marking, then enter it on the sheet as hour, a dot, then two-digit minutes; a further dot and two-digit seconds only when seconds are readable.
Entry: 4.09
